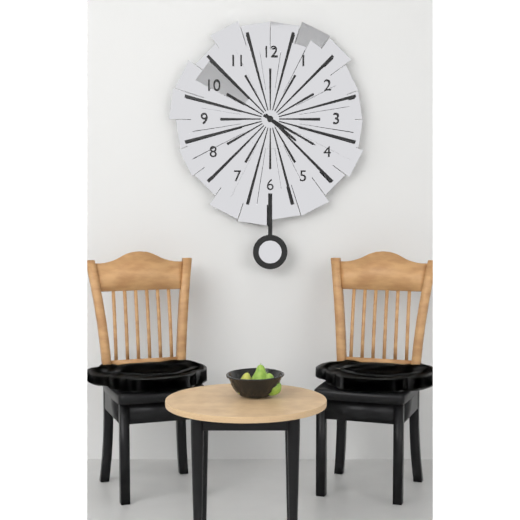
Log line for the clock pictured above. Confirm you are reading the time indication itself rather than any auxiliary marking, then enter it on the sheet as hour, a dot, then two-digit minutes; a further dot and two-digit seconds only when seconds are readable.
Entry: 4.20
